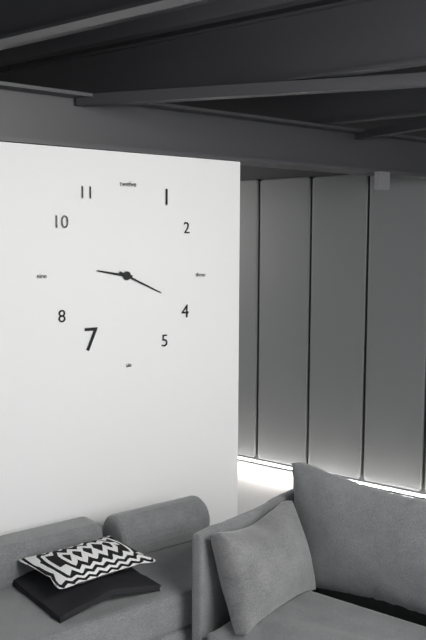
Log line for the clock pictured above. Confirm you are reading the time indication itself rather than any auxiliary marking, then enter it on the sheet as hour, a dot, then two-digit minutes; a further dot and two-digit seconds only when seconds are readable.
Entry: 9.19
